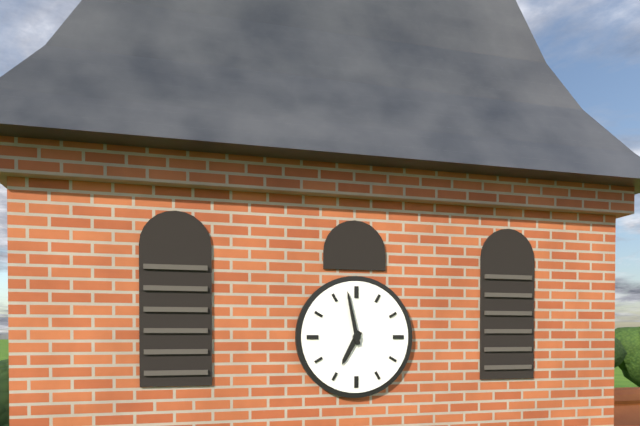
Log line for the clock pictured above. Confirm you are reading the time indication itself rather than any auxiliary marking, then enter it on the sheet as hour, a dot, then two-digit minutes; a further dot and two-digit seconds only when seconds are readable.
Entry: 6.58
